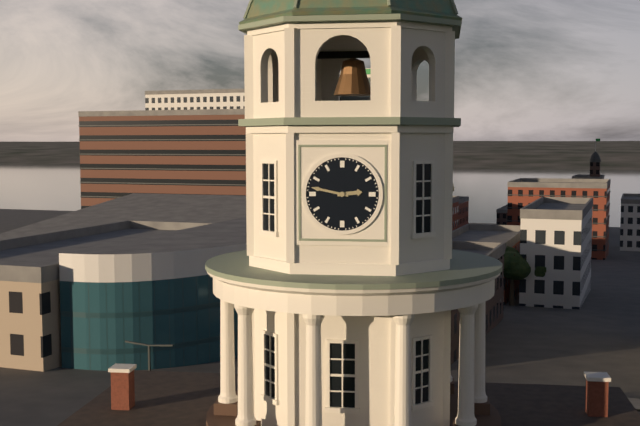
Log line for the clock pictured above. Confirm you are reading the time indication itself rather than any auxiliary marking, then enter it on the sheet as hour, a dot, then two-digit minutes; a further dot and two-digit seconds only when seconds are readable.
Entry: 2.47
